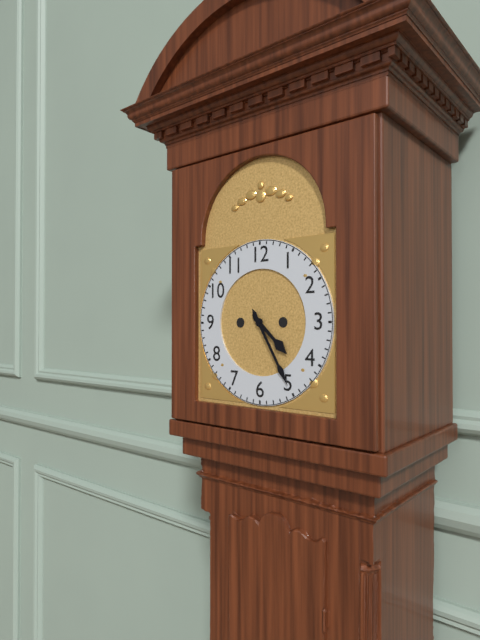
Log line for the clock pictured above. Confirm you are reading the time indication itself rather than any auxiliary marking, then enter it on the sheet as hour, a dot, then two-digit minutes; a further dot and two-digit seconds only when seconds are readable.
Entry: 4.25
